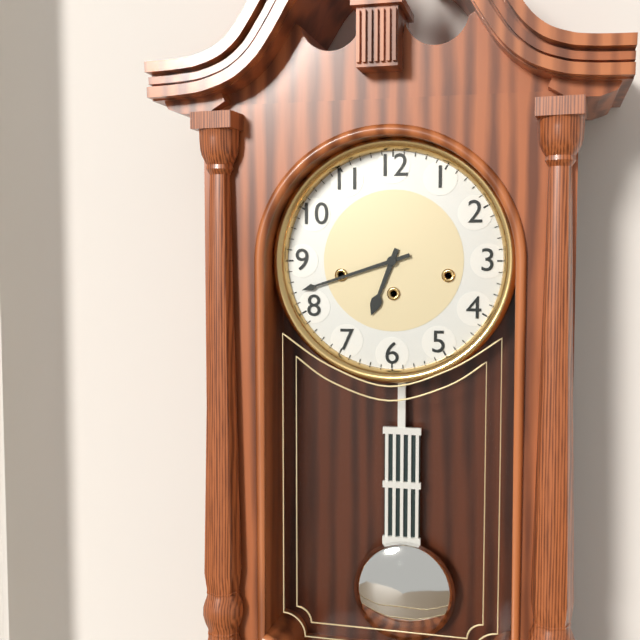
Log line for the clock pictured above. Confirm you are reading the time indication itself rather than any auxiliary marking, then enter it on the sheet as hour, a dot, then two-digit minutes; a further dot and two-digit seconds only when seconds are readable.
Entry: 6.42
